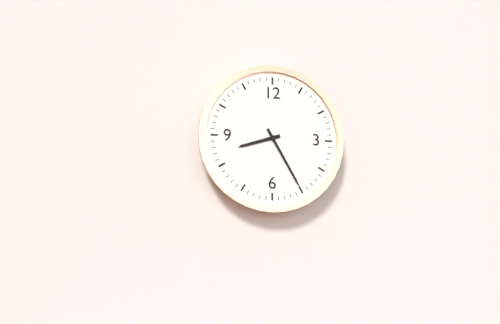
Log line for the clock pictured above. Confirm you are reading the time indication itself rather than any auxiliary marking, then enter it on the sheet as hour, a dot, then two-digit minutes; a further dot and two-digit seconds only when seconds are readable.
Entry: 8.25
